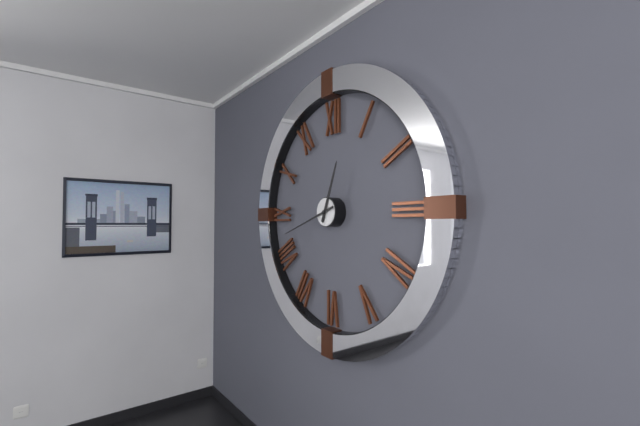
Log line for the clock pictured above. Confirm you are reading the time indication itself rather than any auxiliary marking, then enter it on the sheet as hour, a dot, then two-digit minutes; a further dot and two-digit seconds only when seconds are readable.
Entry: 12.42
